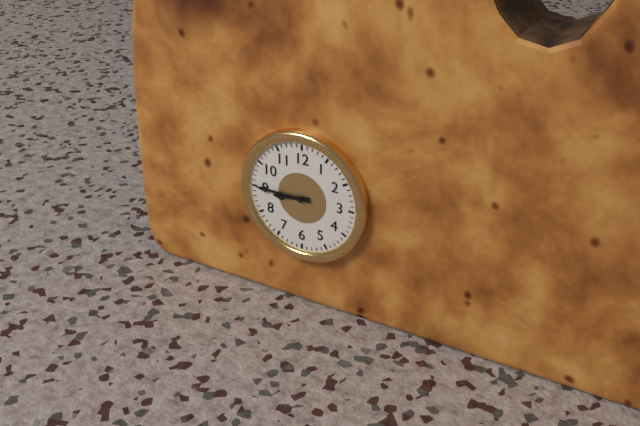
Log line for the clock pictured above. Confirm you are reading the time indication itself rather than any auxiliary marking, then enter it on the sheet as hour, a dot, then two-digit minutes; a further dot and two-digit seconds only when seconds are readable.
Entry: 8.45
